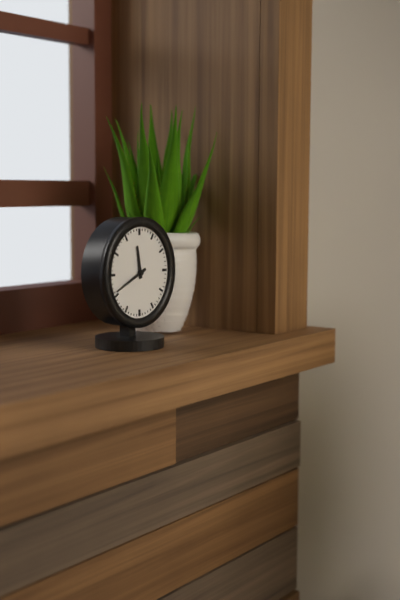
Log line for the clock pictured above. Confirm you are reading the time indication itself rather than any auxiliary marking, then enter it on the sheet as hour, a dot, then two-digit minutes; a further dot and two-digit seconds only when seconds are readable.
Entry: 11.41
